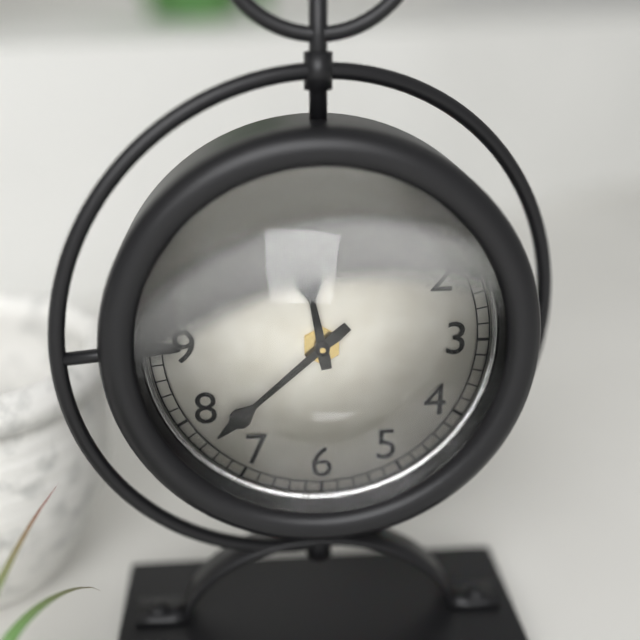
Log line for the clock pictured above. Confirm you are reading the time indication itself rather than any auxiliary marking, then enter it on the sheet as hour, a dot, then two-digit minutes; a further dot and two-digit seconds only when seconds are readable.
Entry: 11.38
